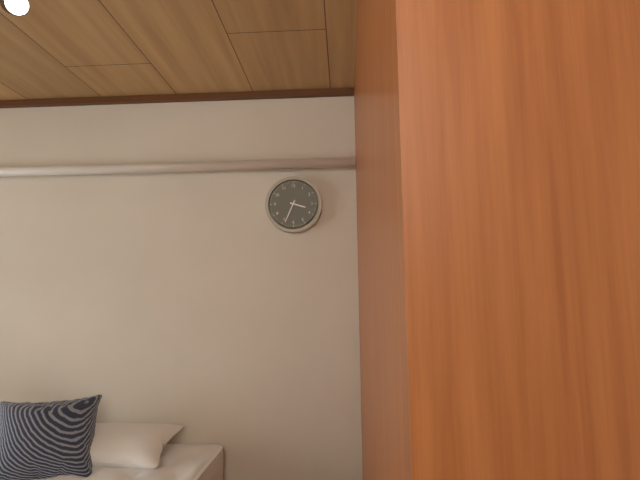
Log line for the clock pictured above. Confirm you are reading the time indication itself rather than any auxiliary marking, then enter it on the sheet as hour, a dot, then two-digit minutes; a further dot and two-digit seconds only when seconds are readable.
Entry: 3.34
